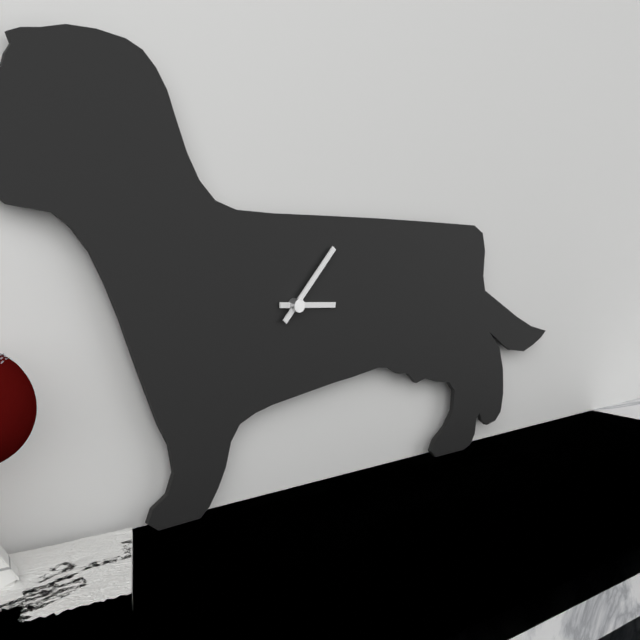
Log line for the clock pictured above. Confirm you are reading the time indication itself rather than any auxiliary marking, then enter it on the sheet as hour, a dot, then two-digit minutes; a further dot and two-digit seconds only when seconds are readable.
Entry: 3.07
